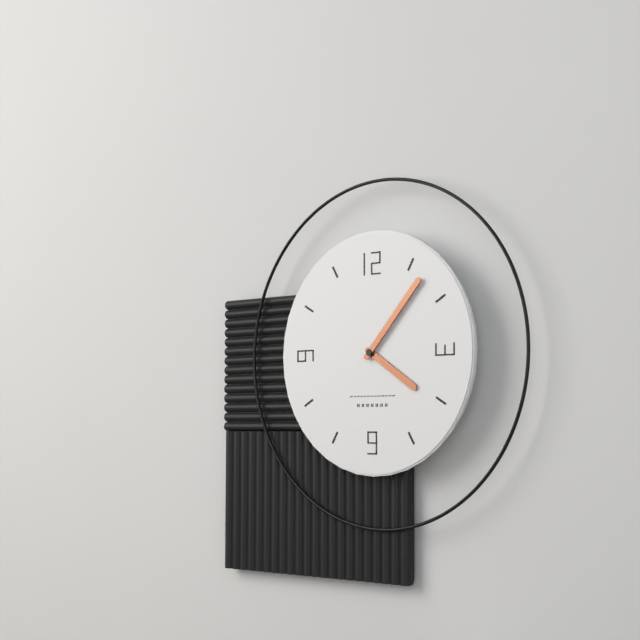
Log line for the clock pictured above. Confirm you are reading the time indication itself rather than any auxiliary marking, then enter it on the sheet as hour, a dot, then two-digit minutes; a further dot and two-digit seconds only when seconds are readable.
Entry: 4.07
